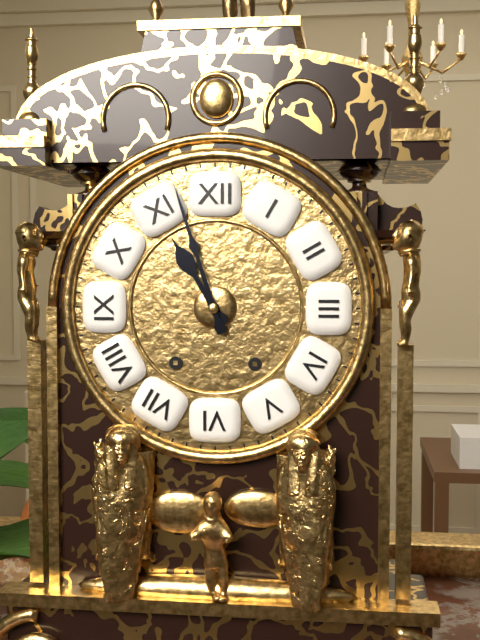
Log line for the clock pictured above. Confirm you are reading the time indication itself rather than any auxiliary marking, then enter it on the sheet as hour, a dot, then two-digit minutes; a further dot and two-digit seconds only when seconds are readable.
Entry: 10.57
